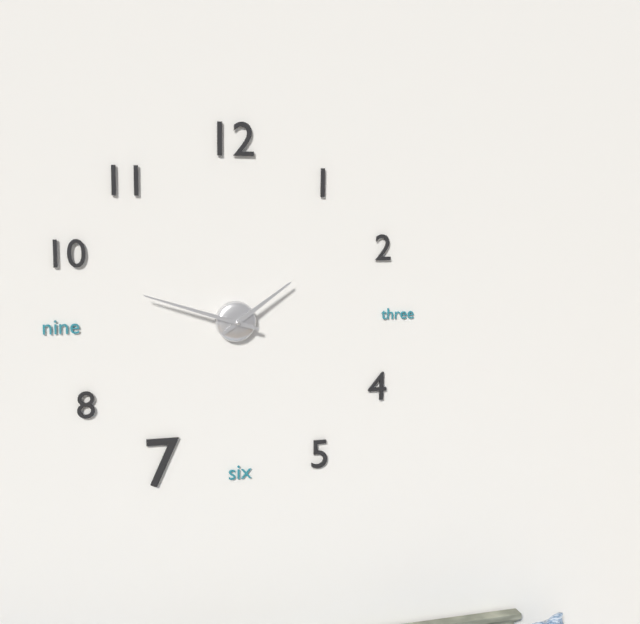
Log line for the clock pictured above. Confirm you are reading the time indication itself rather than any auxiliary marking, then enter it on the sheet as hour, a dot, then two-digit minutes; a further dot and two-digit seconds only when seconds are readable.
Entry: 1.48
